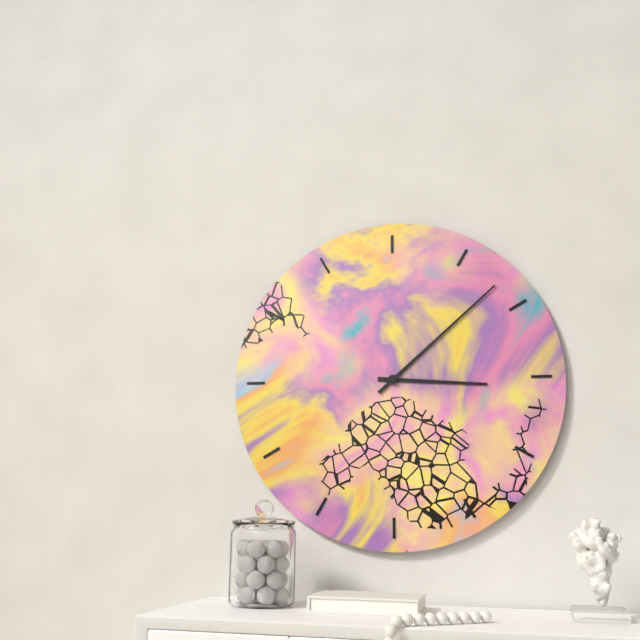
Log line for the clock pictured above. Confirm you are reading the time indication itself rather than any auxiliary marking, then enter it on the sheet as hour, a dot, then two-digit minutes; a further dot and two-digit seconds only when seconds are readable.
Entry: 3.08
